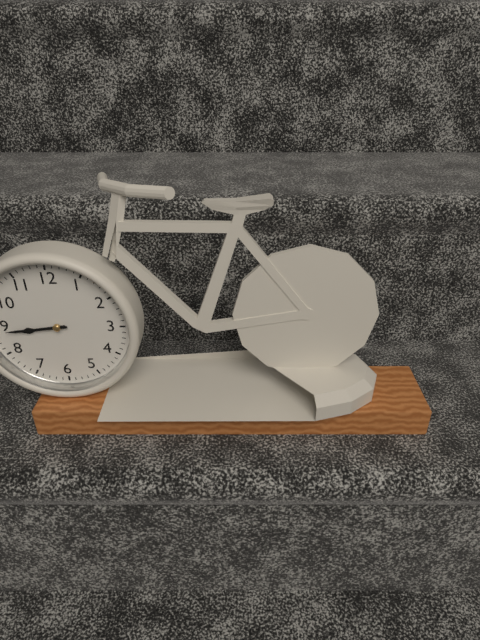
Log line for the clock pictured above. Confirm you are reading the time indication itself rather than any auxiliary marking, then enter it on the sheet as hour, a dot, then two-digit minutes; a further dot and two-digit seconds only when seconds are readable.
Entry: 8.44
